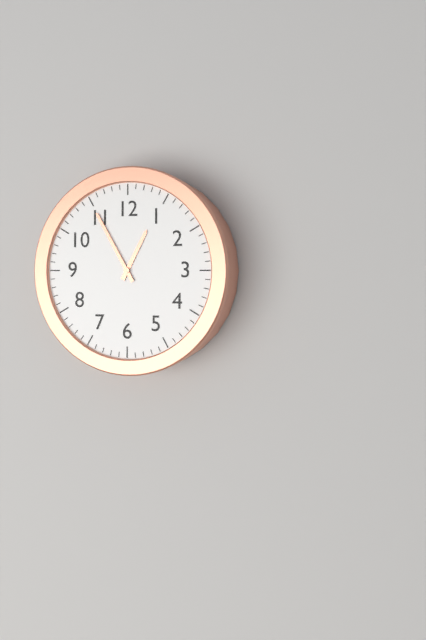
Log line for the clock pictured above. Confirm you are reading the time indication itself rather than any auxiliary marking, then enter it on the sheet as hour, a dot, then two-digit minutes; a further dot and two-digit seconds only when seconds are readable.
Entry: 12.55
